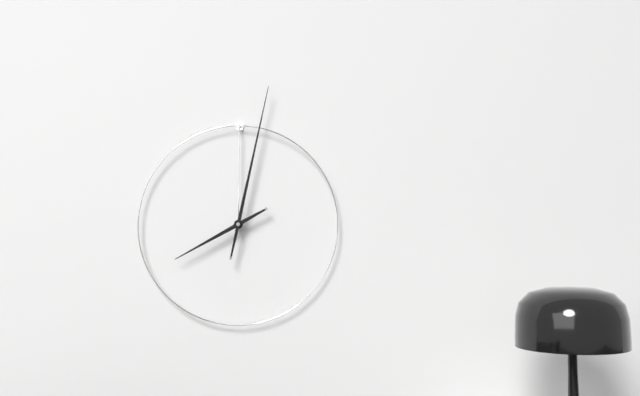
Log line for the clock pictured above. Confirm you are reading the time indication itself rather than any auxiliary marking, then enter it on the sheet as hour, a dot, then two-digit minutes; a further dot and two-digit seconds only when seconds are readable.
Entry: 8.02
